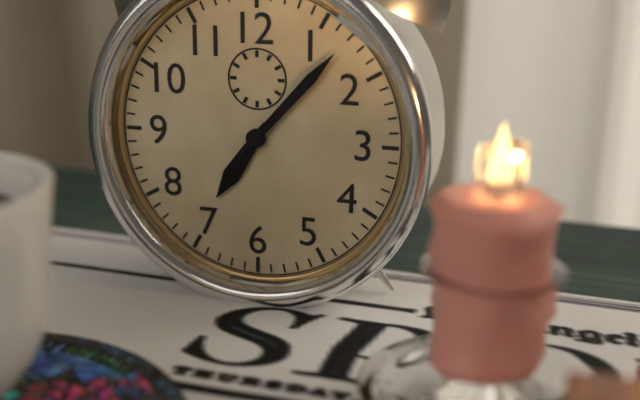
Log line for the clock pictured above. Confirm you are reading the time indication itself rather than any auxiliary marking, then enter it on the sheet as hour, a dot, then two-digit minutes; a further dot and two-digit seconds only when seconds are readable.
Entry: 7.07
